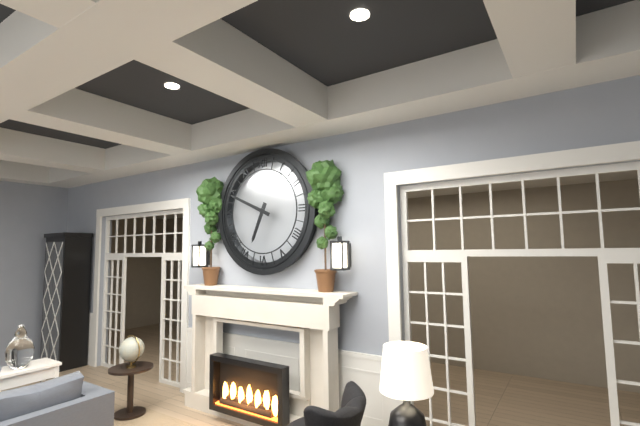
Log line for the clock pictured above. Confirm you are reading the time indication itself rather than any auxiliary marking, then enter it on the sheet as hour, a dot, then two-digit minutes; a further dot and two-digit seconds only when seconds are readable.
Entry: 6.49
